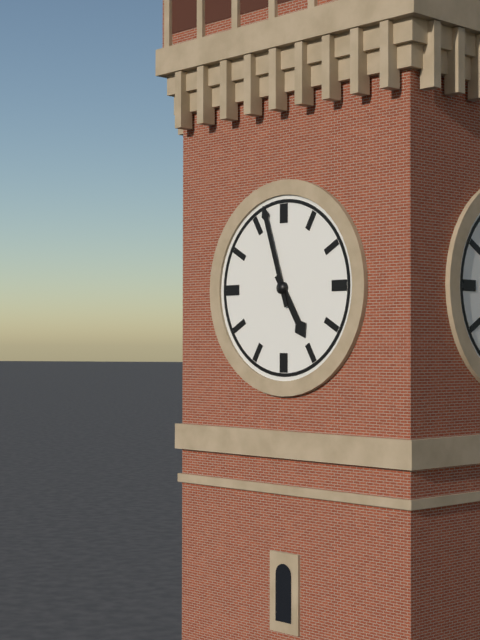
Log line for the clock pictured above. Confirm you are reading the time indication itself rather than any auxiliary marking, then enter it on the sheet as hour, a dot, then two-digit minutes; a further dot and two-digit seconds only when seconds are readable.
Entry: 4.57
